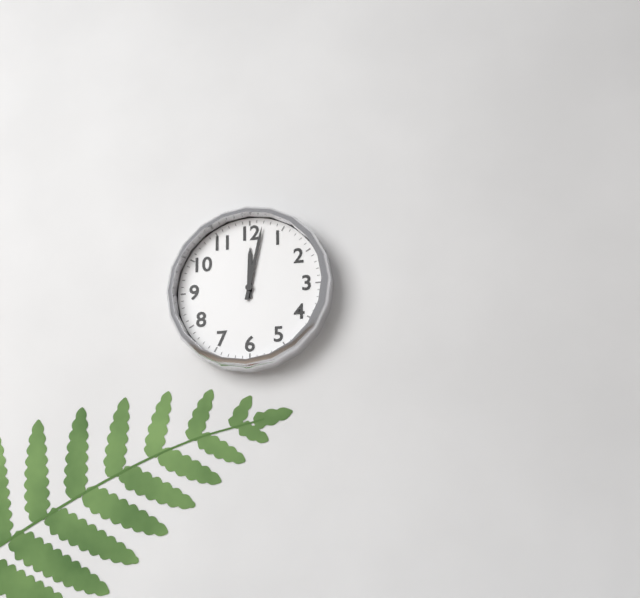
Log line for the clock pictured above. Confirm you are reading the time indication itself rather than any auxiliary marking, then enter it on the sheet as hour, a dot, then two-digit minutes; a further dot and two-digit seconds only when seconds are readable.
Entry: 12.02
